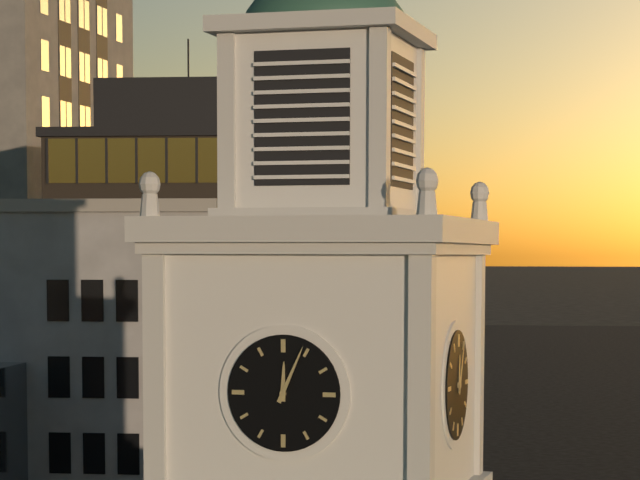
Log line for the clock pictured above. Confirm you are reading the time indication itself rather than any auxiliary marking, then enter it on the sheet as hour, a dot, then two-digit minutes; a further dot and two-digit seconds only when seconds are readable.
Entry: 12.04
